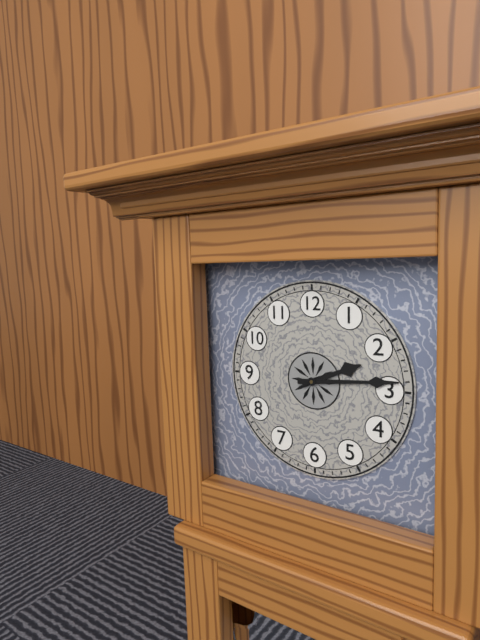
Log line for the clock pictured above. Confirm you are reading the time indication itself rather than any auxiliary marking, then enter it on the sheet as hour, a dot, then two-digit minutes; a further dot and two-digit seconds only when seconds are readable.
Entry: 2.14
